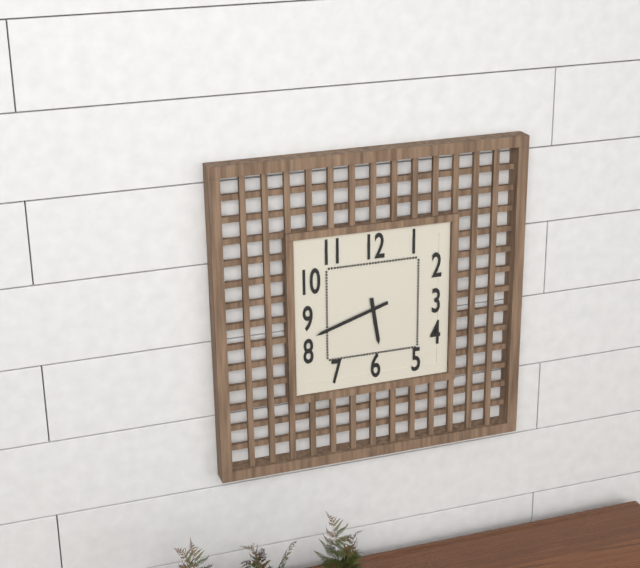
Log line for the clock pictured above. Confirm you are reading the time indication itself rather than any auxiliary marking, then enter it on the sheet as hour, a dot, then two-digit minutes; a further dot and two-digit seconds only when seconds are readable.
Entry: 5.42
